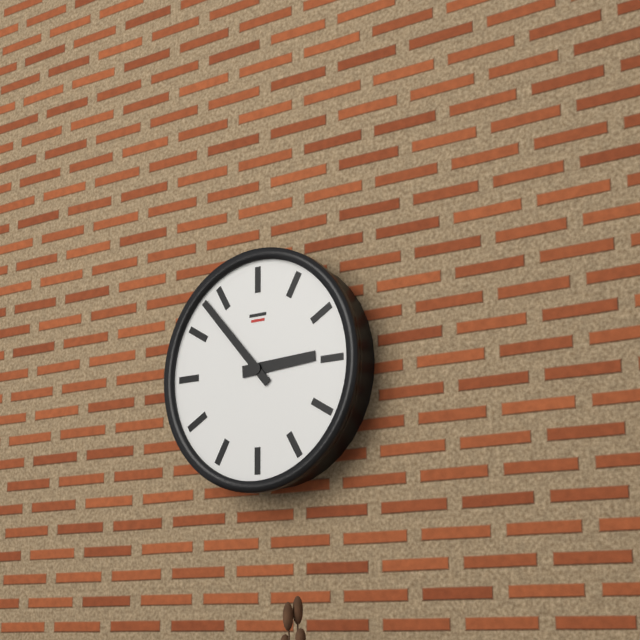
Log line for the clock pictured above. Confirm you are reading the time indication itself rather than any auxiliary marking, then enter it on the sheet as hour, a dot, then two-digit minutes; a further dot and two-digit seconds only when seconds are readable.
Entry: 2.53
